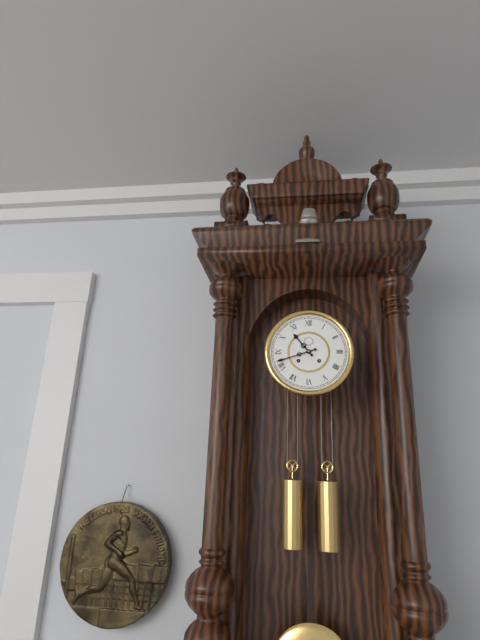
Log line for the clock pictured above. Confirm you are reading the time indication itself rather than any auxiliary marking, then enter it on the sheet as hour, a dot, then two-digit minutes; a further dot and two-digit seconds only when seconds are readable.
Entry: 10.42
